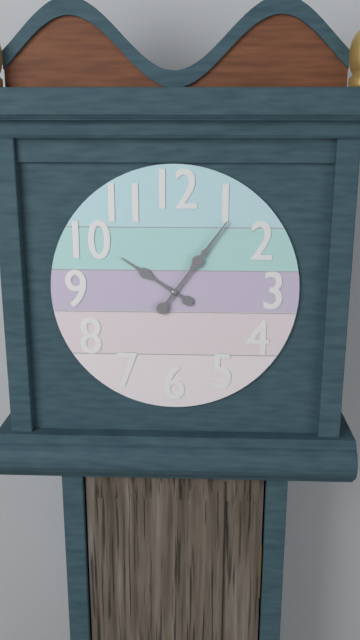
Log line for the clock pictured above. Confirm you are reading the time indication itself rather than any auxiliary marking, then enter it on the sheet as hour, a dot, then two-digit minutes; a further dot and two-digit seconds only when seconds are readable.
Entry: 10.06
